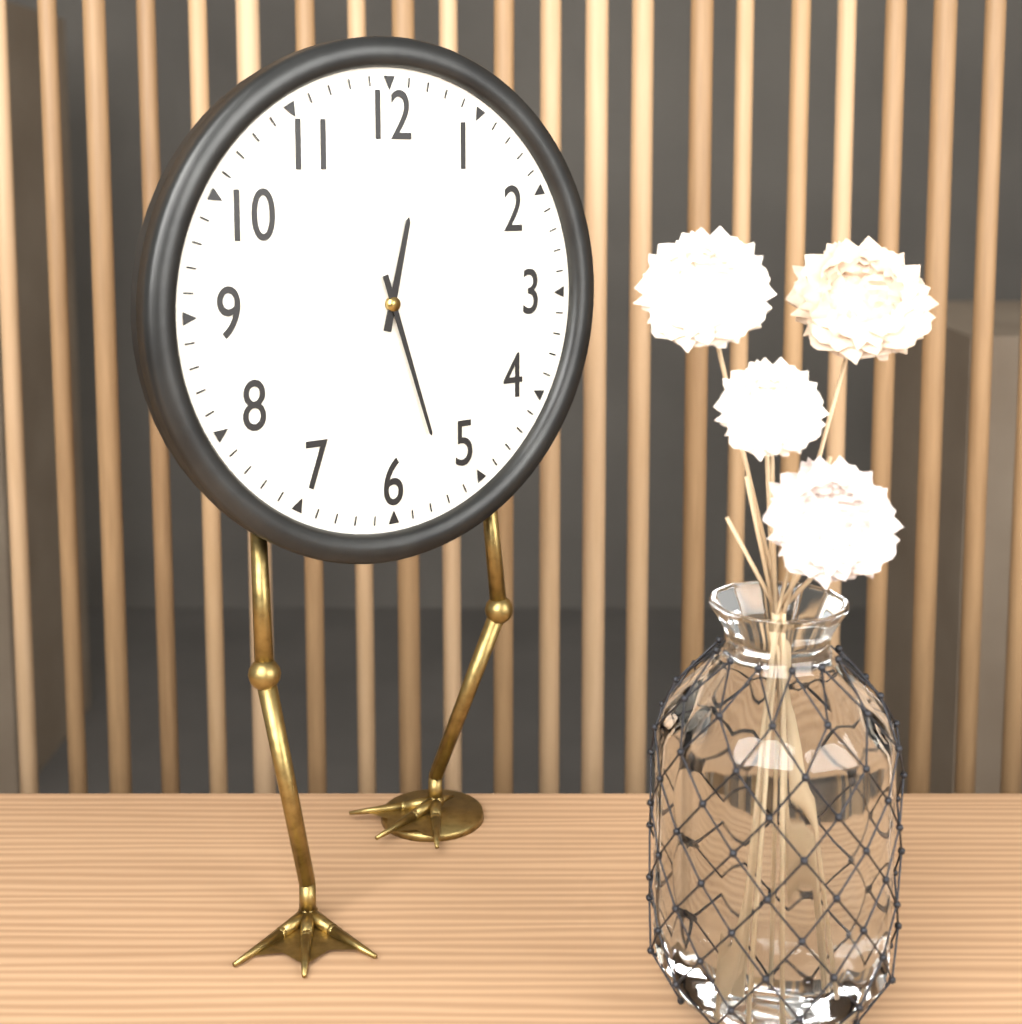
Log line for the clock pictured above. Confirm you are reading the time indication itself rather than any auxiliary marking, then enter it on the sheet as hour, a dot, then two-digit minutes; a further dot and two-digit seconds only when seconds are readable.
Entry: 12.27
